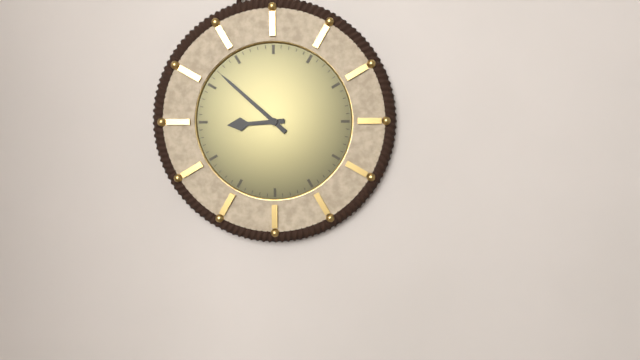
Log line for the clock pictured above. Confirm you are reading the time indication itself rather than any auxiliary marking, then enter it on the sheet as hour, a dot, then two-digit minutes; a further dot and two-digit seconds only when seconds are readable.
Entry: 8.52
